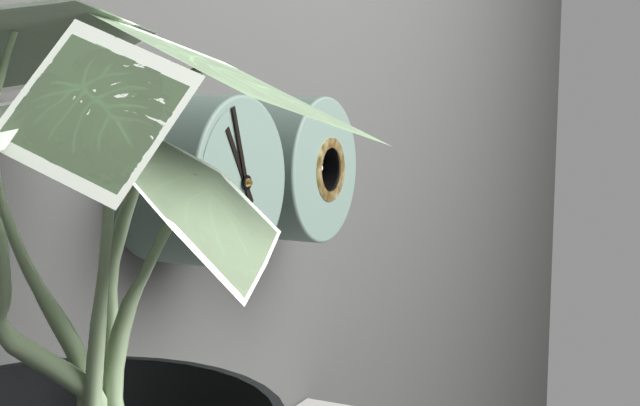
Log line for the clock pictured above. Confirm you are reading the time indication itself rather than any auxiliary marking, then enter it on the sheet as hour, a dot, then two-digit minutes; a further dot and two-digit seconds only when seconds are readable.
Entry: 10.57
